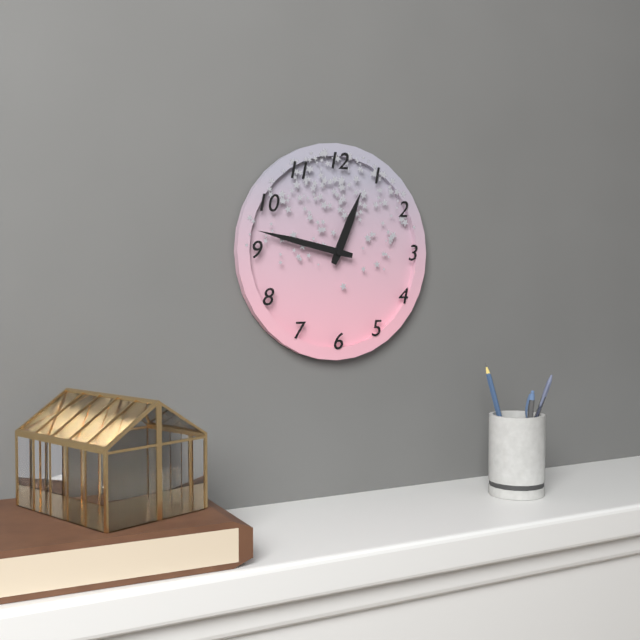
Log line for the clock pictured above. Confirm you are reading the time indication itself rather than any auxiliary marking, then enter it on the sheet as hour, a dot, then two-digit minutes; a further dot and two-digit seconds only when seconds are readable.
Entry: 12.47
